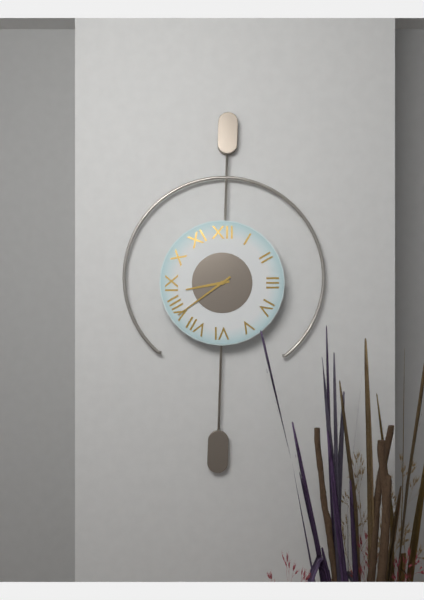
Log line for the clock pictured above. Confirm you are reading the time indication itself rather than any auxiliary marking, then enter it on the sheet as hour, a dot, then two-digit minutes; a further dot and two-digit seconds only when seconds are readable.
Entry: 8.39
